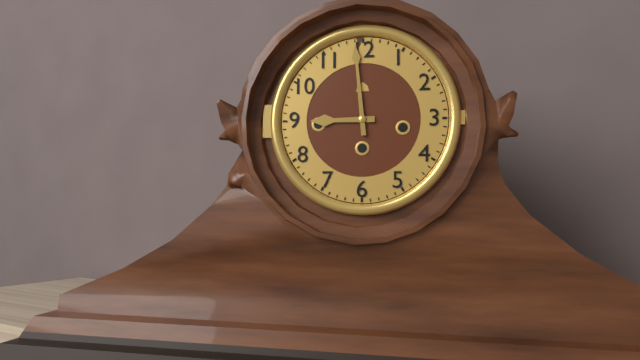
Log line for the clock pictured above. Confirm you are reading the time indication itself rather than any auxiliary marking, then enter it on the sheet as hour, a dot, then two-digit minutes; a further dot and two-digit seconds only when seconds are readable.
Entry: 8.59
